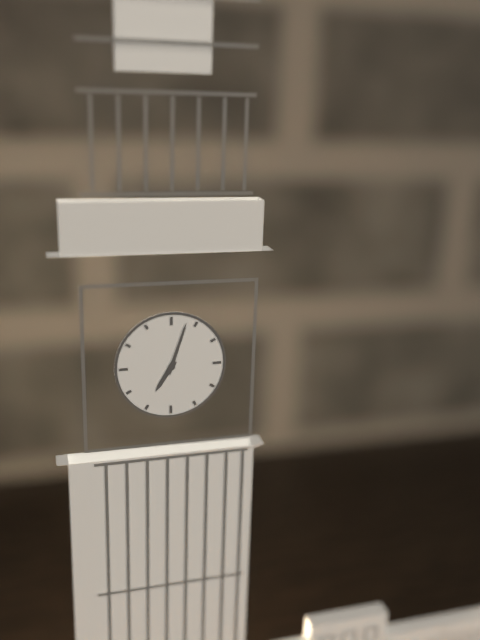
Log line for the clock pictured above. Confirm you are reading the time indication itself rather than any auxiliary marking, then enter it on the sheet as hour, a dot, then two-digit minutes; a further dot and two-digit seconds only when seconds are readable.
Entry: 7.03
